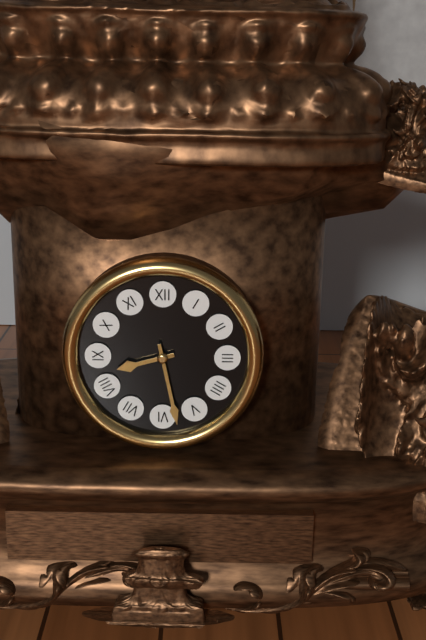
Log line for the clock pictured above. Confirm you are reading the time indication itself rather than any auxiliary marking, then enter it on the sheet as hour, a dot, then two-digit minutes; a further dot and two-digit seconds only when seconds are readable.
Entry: 8.28
